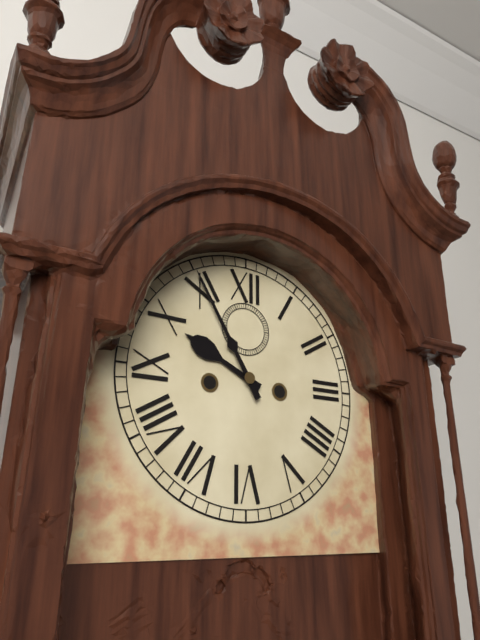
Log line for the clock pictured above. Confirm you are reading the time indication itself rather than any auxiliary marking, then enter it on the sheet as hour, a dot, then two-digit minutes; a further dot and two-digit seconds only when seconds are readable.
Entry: 9.55
